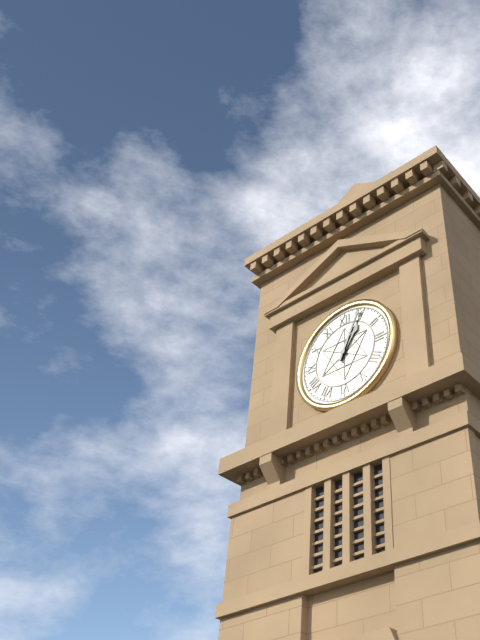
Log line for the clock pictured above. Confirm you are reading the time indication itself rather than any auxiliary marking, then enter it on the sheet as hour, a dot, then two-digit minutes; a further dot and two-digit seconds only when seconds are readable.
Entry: 1.04
